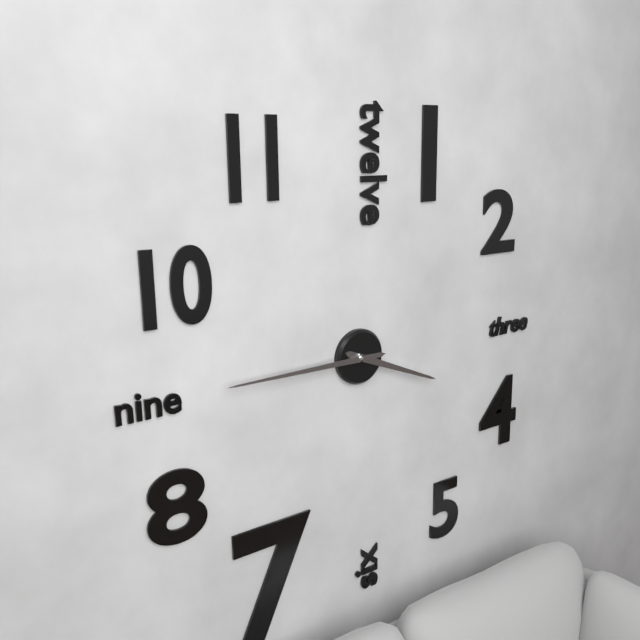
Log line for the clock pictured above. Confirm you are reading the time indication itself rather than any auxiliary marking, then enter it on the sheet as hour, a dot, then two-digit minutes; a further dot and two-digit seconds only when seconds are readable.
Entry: 3.45
